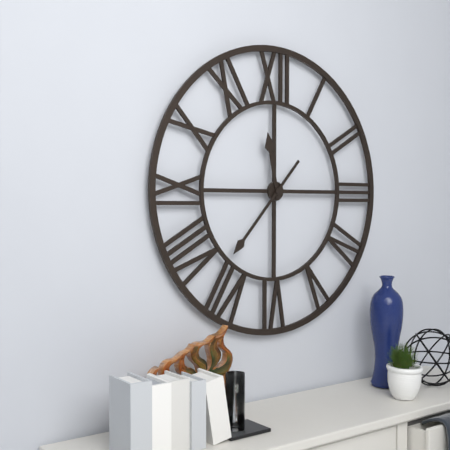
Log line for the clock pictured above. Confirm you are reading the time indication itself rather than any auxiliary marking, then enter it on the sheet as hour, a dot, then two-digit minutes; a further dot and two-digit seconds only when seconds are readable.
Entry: 11.37
